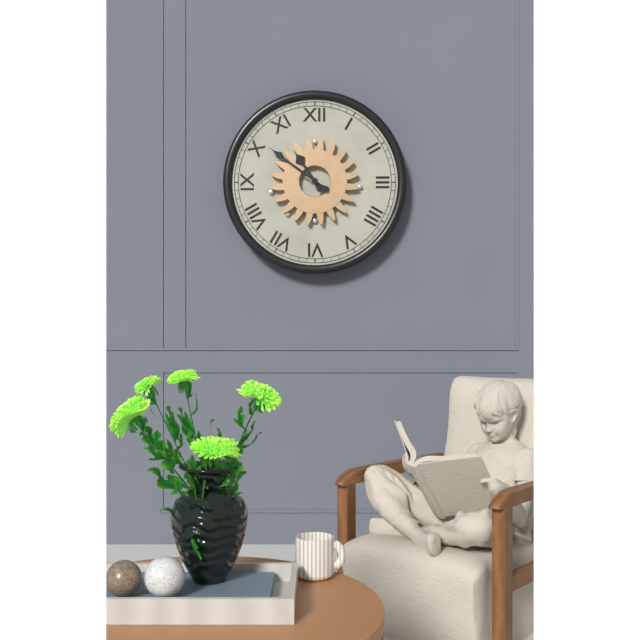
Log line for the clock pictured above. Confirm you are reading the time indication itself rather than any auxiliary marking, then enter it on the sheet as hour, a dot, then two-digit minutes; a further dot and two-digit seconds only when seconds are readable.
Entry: 10.51
